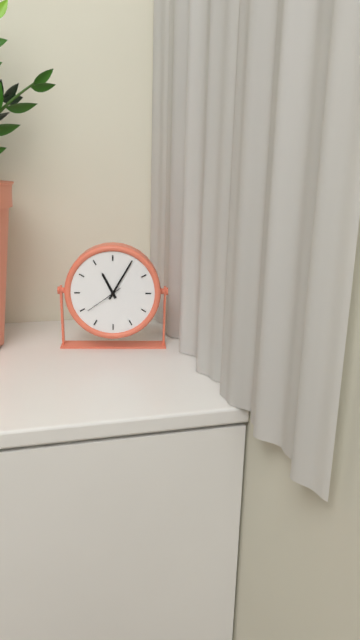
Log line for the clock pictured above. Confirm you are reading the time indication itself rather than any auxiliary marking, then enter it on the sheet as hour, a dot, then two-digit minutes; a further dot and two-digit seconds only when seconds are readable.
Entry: 11.05
